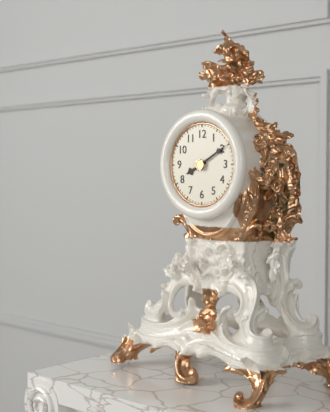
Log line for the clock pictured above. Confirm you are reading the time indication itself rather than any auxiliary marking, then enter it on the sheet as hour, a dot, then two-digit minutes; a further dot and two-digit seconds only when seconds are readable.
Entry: 8.10
